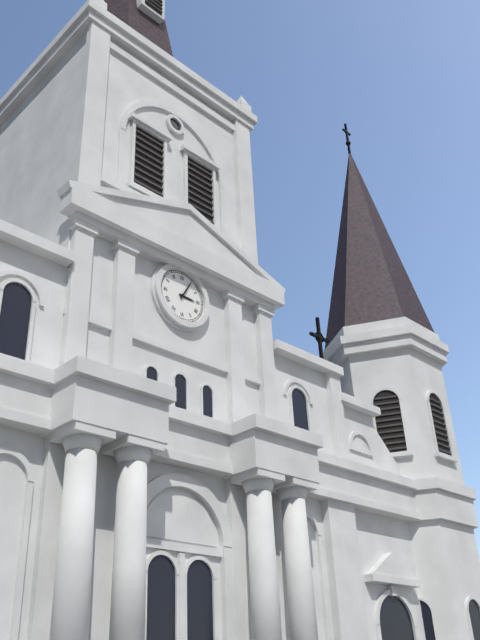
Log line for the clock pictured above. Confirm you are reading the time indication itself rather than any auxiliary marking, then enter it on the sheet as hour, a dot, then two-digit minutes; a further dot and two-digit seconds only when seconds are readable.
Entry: 3.05
